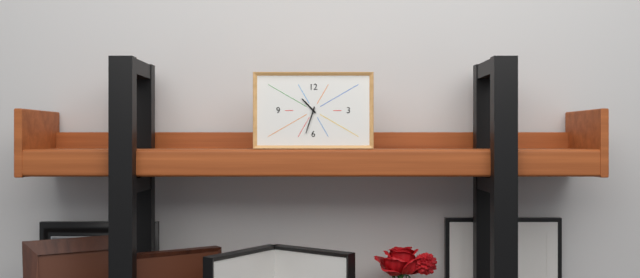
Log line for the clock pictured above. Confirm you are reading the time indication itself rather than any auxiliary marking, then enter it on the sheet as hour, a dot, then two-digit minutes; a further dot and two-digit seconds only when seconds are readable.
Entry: 10.33
